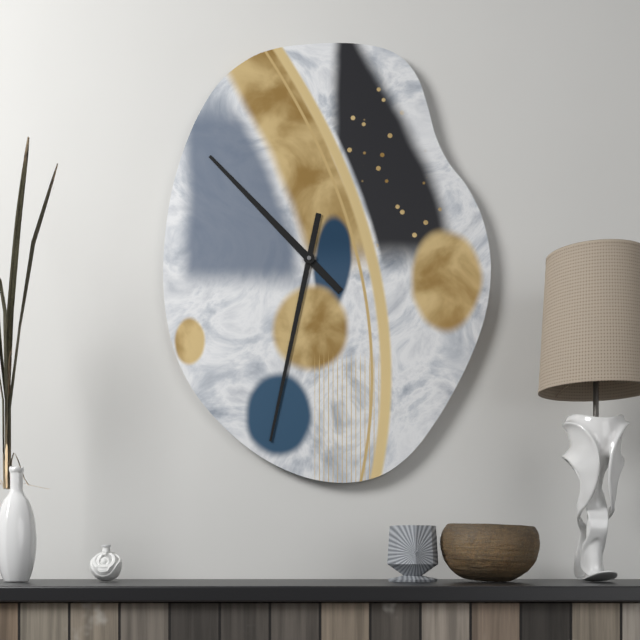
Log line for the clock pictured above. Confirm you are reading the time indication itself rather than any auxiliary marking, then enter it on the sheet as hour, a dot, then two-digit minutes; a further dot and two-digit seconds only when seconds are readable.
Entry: 10.32
